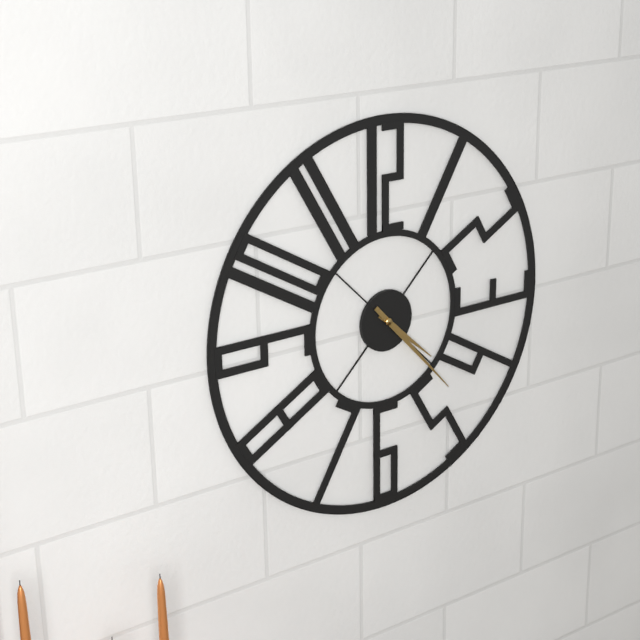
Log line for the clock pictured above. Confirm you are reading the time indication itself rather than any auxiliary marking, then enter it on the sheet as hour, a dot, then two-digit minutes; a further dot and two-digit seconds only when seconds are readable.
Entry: 4.23
